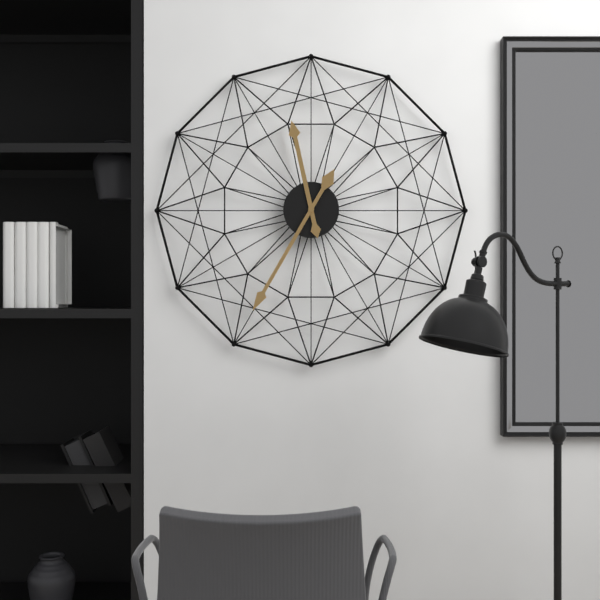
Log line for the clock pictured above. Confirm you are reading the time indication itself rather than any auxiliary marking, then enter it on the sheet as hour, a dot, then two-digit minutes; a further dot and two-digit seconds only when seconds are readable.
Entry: 11.35
